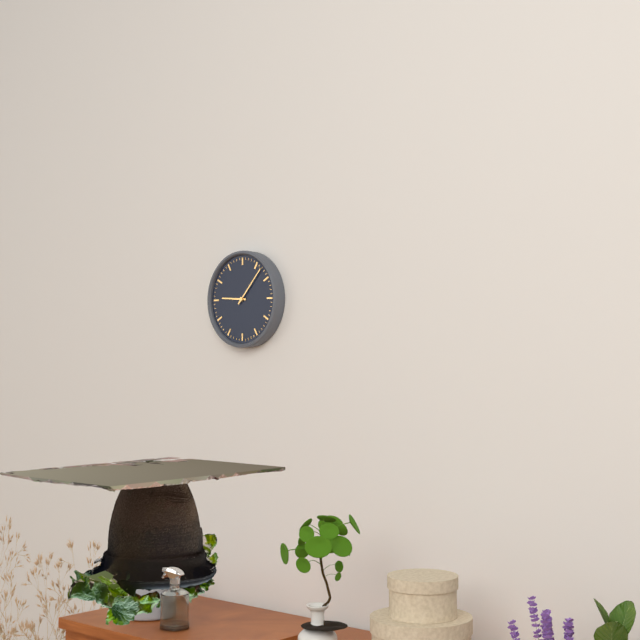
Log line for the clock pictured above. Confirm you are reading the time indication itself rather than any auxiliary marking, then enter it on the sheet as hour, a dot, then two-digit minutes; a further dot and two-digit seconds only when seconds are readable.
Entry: 9.07
